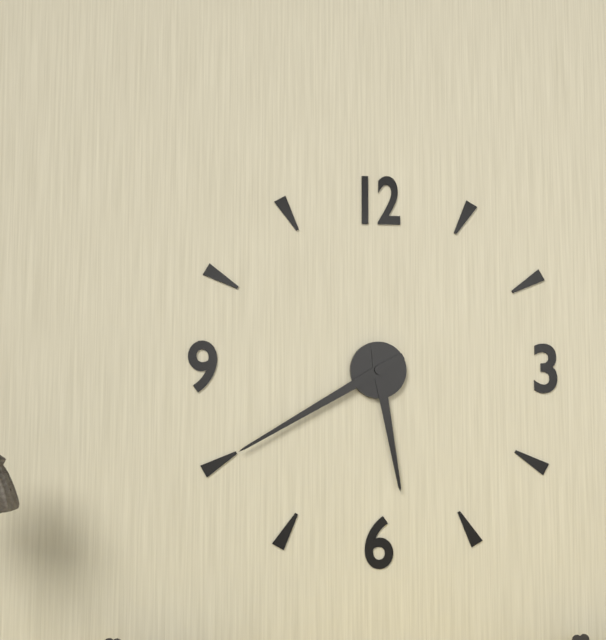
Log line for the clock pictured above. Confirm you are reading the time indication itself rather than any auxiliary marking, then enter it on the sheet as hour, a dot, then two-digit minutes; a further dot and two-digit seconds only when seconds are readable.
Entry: 5.40
